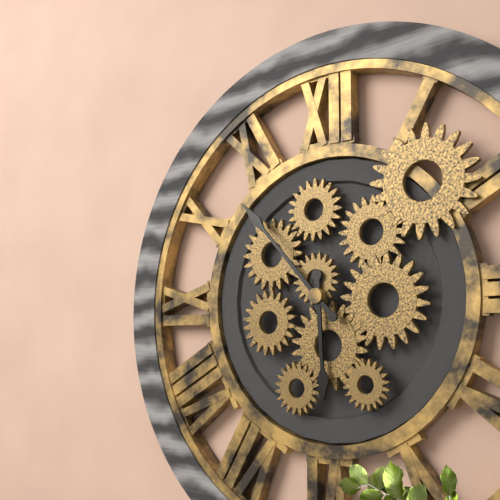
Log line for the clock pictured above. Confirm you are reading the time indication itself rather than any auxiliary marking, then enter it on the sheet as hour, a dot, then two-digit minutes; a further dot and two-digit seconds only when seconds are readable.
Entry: 5.53
